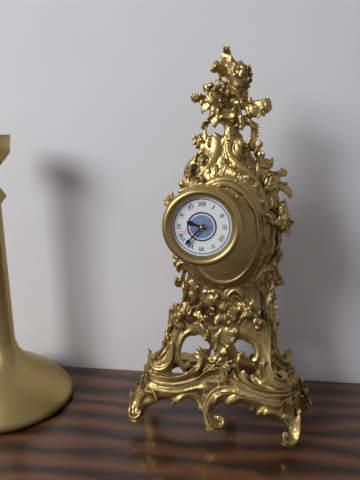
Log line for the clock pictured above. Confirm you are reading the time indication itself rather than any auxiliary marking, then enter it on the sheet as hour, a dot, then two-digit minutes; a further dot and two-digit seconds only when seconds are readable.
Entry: 9.37
